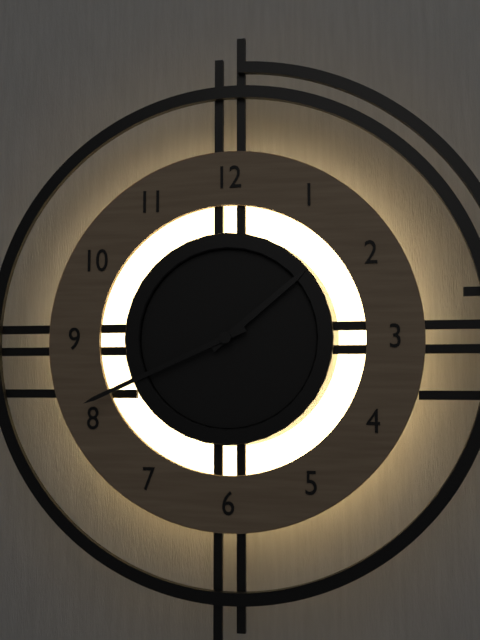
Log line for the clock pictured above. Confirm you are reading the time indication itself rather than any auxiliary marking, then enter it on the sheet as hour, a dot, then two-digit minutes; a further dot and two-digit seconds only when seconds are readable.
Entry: 1.41
